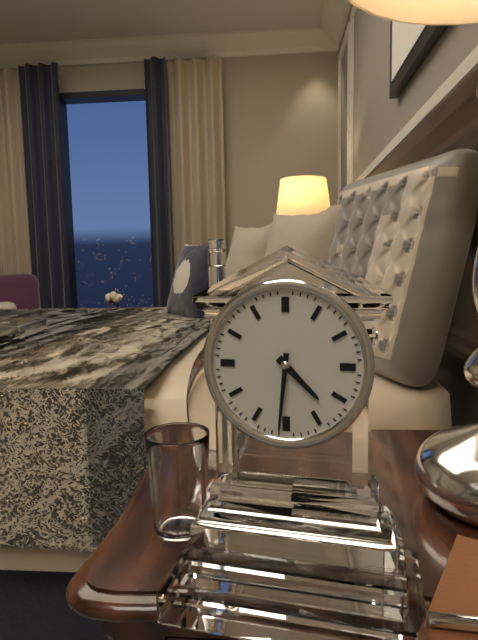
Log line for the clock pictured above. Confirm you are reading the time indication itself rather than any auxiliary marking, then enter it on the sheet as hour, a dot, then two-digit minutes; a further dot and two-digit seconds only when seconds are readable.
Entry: 4.31
